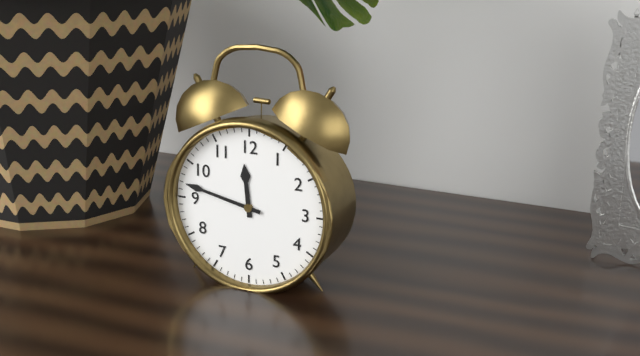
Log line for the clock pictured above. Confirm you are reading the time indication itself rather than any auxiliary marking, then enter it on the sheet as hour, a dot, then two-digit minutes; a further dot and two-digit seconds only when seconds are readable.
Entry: 11.47
